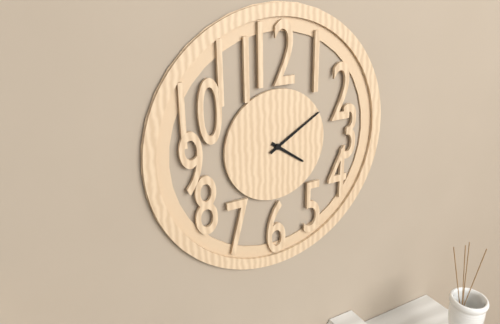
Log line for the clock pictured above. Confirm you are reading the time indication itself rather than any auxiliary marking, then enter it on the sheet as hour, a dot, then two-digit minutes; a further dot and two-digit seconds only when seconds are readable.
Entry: 4.10
